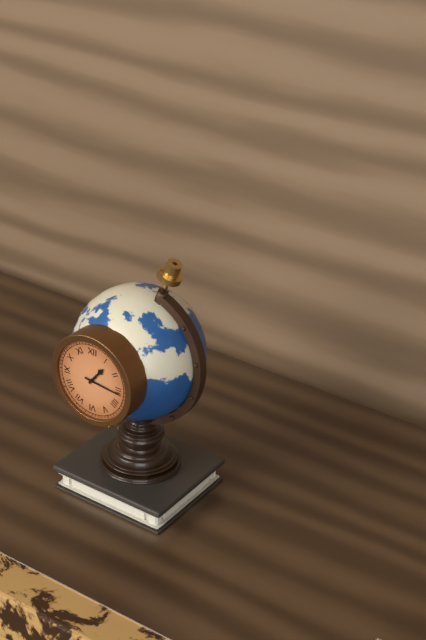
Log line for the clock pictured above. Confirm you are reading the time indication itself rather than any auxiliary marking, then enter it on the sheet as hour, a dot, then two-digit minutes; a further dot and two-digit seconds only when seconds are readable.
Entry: 1.16
